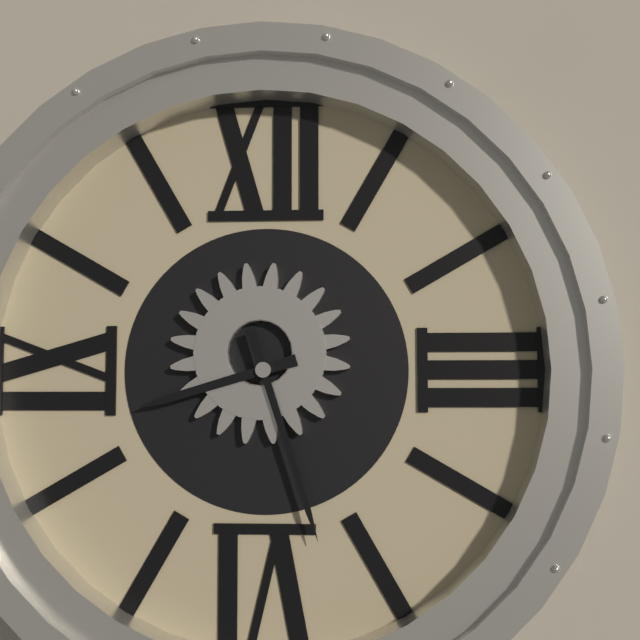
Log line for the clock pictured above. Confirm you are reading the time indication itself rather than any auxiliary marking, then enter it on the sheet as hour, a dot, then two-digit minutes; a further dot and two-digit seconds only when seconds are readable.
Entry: 8.27
